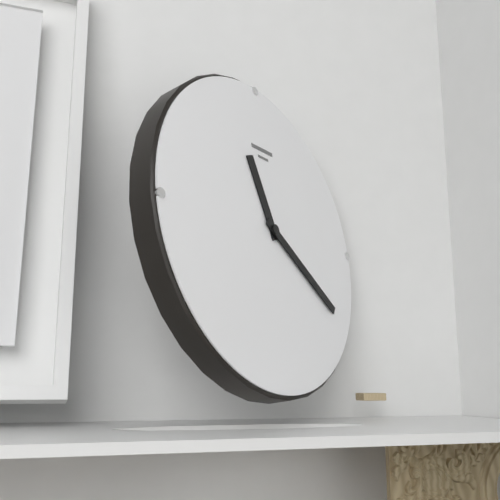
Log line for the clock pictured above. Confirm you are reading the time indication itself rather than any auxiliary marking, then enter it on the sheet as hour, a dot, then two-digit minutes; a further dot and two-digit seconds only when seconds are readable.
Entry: 11.21
